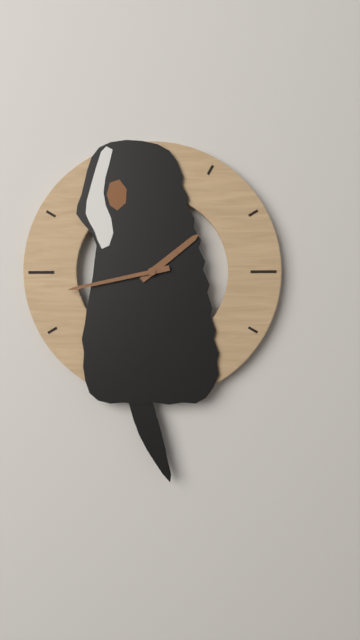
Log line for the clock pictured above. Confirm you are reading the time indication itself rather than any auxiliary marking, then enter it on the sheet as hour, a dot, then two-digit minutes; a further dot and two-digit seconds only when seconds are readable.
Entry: 1.43
